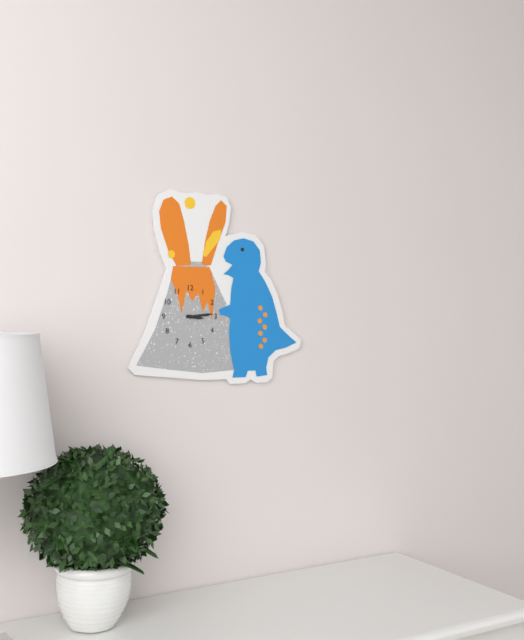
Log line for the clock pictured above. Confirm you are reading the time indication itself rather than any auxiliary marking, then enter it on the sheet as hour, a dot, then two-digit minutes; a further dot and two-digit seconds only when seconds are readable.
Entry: 3.14
